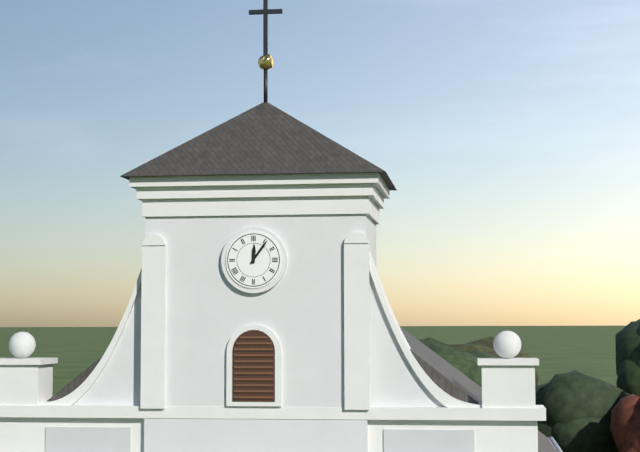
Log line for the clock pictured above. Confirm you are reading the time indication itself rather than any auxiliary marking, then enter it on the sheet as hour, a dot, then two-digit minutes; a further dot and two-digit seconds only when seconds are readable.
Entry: 12.06
